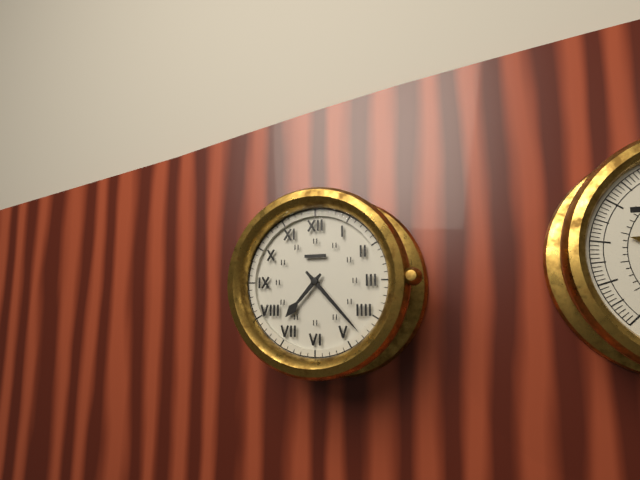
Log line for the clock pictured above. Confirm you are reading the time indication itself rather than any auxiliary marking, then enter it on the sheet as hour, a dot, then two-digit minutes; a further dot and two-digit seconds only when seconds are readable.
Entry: 7.23
